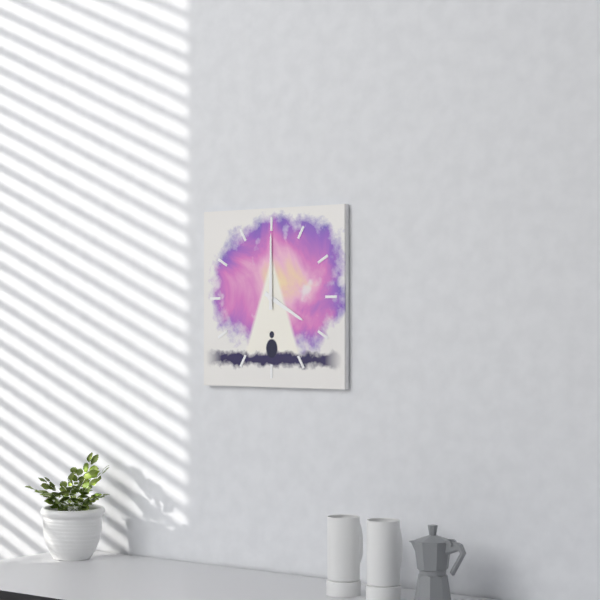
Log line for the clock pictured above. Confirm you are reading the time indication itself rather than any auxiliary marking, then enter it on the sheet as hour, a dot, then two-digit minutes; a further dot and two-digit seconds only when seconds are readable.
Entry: 4.00
